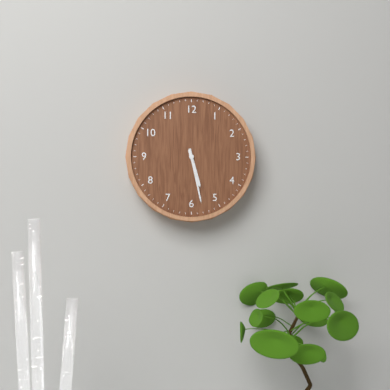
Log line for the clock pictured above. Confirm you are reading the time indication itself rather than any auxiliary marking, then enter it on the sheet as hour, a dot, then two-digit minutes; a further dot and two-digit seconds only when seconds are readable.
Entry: 5.28
